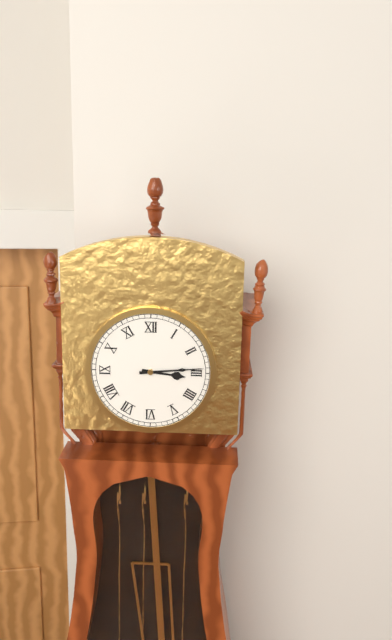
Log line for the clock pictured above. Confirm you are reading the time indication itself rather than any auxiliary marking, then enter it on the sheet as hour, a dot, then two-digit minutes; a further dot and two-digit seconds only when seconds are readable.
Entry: 3.14
